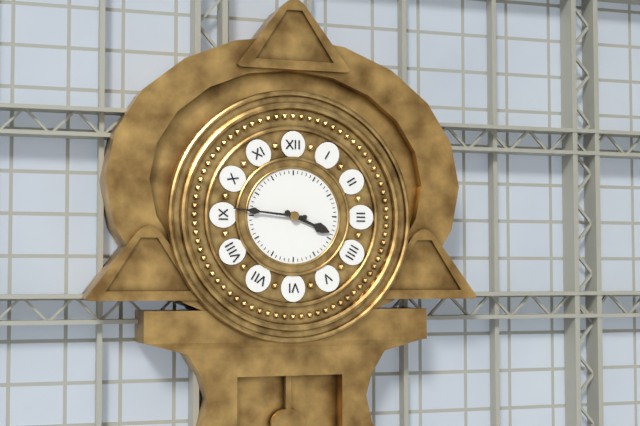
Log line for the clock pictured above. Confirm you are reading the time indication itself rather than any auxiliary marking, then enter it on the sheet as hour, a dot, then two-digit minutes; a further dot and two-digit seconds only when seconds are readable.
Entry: 3.46
